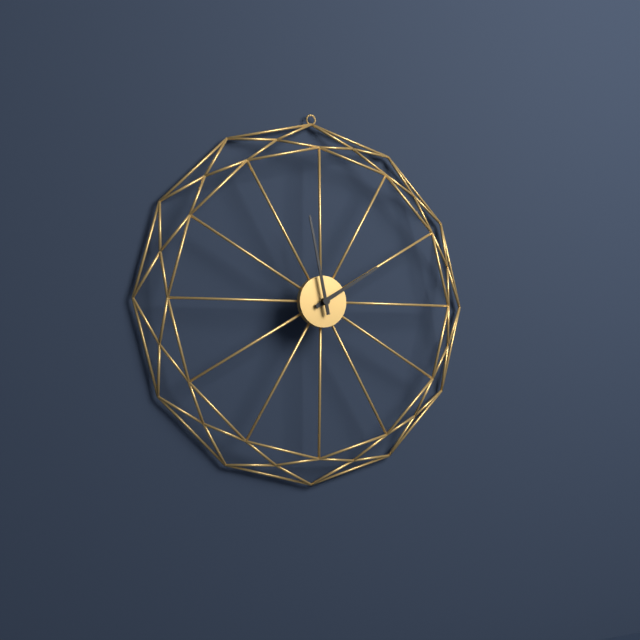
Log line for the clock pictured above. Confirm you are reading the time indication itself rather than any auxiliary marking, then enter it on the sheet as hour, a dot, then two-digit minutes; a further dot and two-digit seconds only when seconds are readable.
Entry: 1.58
